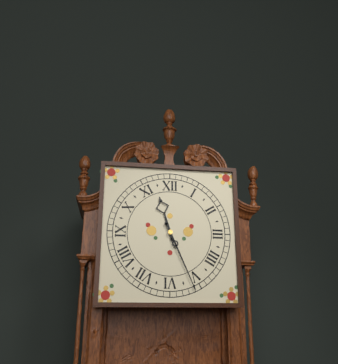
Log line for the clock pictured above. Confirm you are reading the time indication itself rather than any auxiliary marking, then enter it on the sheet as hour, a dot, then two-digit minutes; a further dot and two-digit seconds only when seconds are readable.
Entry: 11.26
